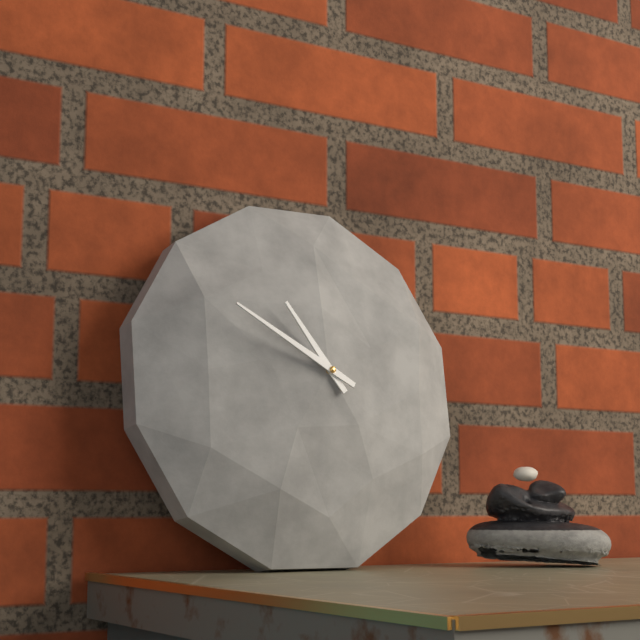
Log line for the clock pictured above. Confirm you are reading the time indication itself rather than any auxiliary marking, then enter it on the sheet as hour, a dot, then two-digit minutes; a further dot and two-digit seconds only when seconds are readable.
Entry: 10.50
